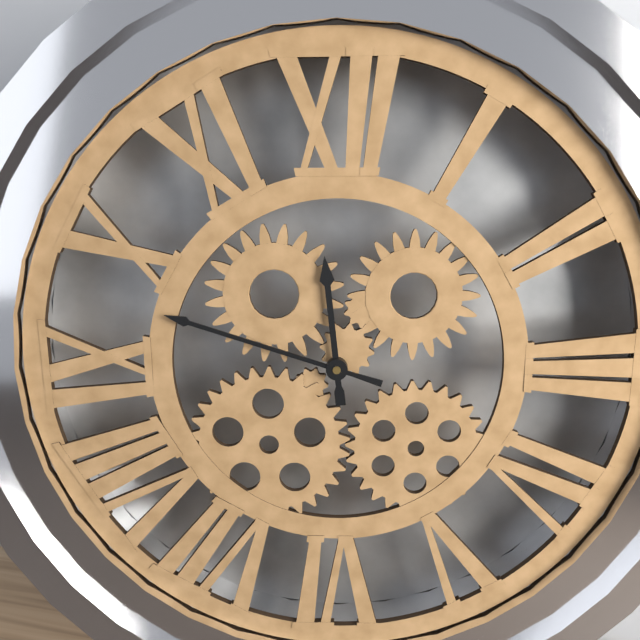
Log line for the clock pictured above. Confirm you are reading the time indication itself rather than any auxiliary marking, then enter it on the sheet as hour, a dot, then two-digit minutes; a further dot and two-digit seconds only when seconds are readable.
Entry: 11.48
